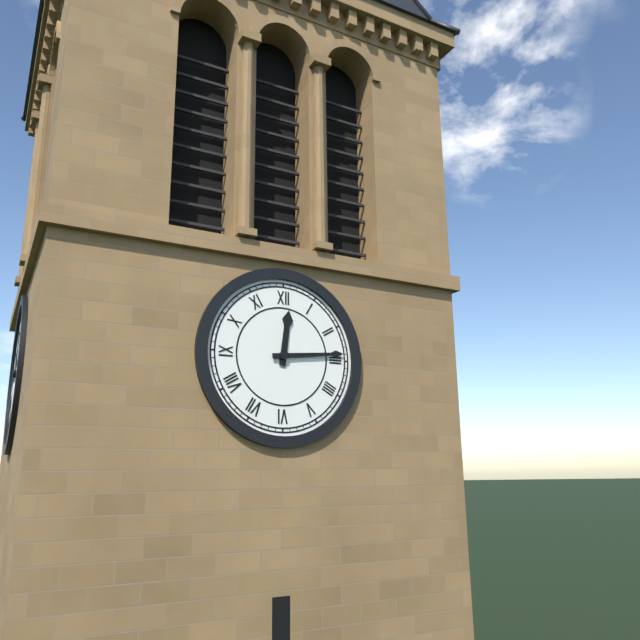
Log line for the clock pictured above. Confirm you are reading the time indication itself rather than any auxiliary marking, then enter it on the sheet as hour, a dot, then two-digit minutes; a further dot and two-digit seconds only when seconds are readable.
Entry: 12.14
